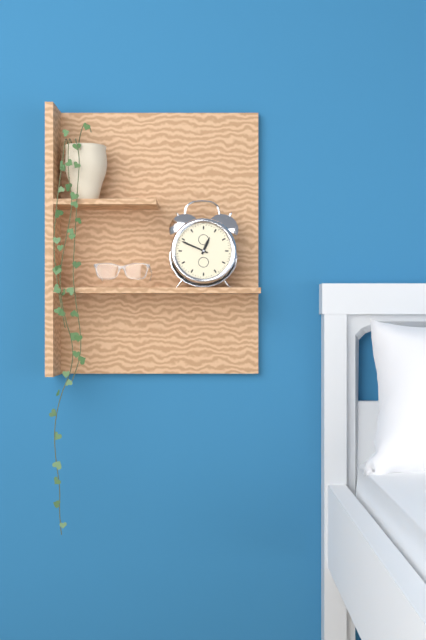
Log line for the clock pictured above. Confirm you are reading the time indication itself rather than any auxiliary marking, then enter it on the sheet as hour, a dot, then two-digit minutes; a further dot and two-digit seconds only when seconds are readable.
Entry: 12.49
